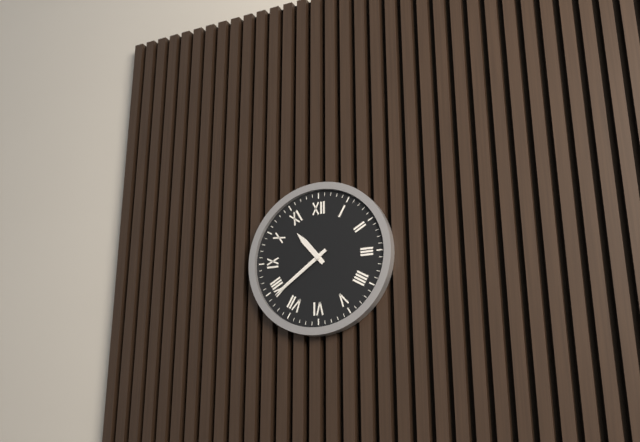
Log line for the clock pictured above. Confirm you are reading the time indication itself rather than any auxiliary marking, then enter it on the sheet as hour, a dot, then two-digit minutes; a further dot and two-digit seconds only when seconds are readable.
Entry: 10.39
